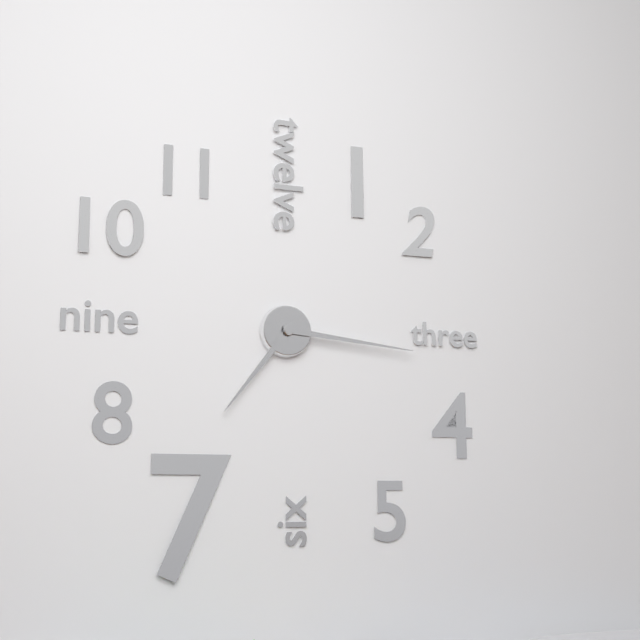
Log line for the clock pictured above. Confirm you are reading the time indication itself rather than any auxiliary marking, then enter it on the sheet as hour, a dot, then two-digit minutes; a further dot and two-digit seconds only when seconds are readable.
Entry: 7.16
